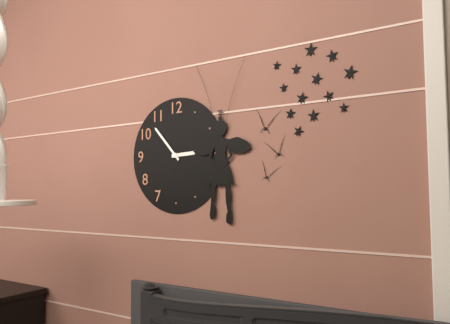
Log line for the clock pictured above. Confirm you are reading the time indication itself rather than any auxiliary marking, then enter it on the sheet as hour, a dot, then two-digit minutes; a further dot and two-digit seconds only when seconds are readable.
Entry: 2.53
